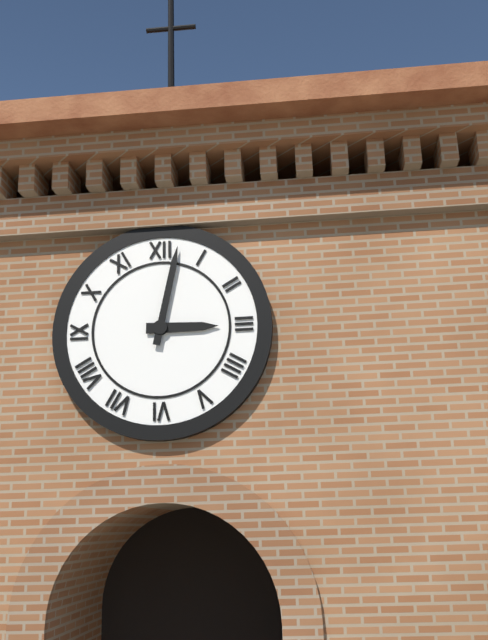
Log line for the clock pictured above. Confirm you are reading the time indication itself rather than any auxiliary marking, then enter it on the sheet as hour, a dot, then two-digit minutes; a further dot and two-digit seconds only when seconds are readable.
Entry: 3.02
